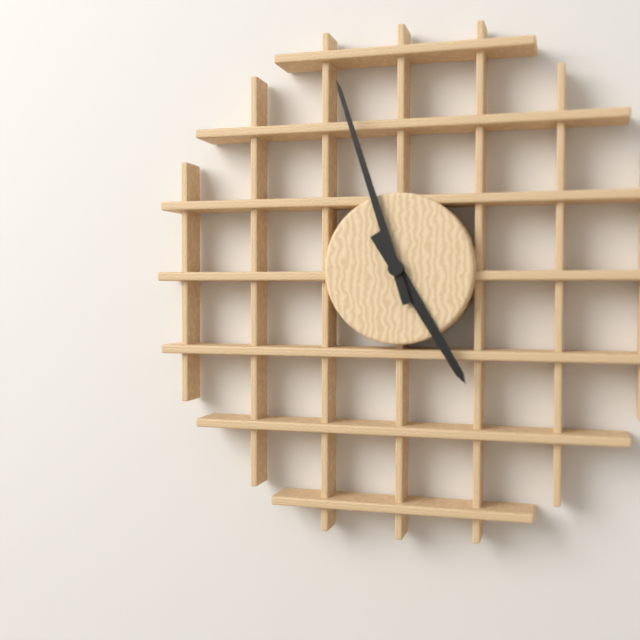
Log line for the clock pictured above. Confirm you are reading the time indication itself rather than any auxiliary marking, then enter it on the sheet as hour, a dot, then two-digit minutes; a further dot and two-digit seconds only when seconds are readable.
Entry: 4.57
